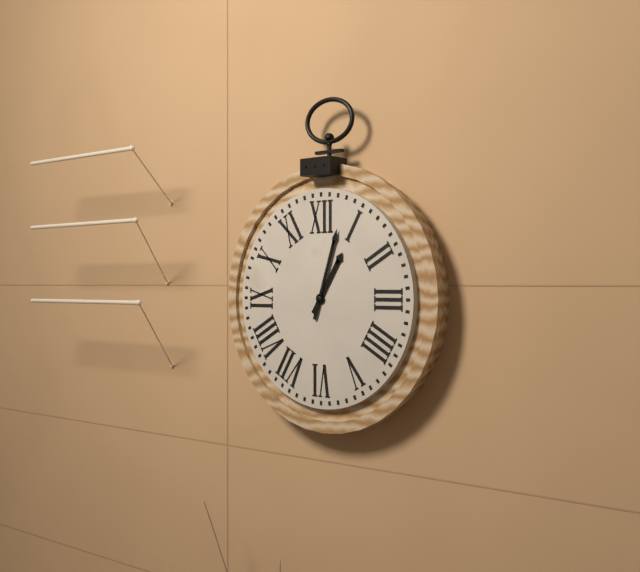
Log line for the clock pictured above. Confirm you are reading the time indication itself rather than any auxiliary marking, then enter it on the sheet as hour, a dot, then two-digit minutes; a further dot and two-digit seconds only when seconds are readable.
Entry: 1.03
